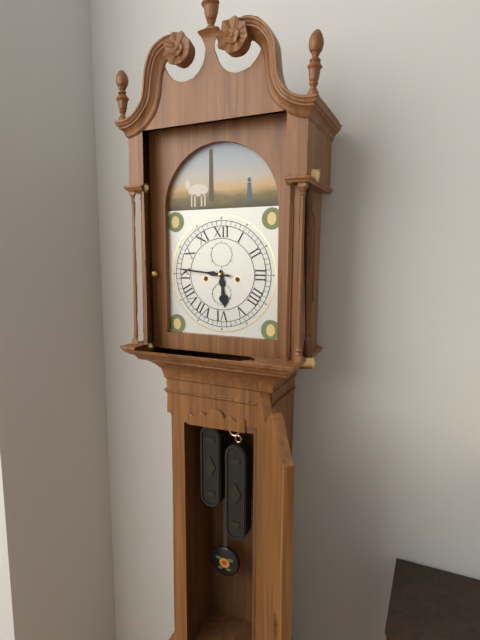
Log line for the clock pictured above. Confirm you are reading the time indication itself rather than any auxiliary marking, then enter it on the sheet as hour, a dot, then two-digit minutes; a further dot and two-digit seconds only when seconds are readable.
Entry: 5.46
